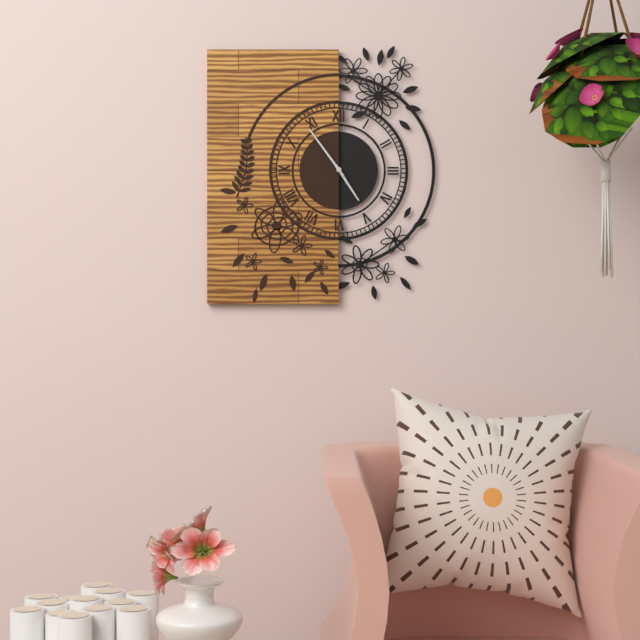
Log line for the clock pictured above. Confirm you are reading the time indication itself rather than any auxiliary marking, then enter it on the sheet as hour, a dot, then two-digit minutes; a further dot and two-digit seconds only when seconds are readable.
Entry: 4.54
